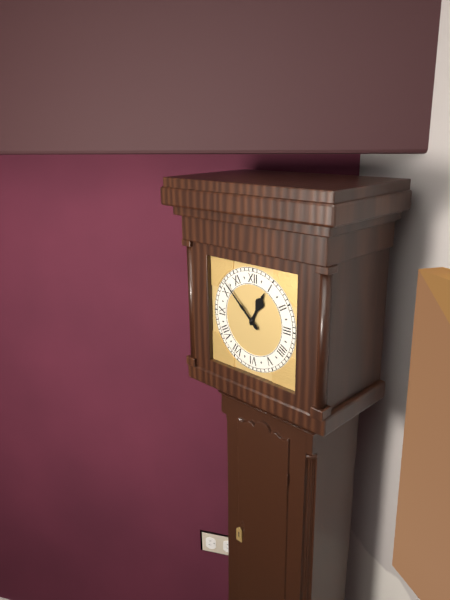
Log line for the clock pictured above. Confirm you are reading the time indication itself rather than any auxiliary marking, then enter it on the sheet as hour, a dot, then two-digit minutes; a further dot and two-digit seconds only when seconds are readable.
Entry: 12.52
